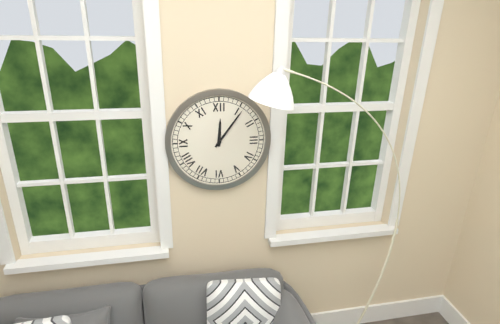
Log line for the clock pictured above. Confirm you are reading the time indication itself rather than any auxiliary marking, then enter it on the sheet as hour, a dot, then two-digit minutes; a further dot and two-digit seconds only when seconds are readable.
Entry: 12.06
